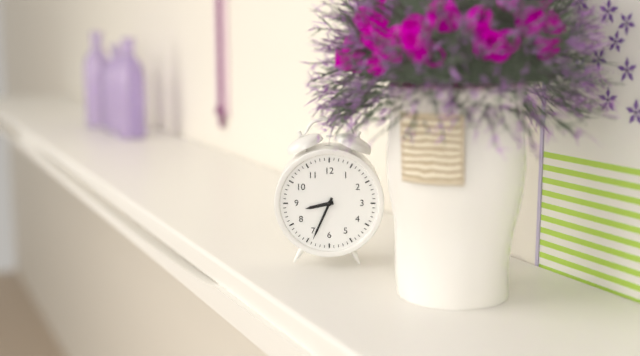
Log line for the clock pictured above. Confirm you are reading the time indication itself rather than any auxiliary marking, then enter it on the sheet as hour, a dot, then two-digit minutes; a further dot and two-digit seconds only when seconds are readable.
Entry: 8.34
